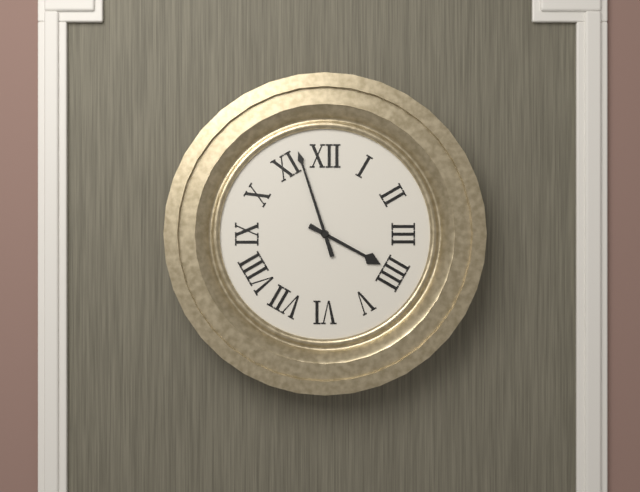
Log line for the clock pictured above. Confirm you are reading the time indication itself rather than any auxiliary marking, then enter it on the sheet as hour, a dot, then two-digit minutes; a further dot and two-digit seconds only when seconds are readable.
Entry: 3.57
